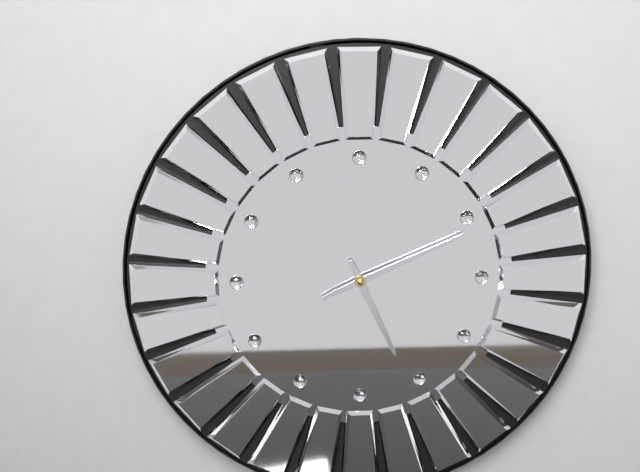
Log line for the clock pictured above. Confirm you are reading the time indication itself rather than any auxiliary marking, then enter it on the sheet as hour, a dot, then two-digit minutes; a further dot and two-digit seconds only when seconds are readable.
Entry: 5.11
